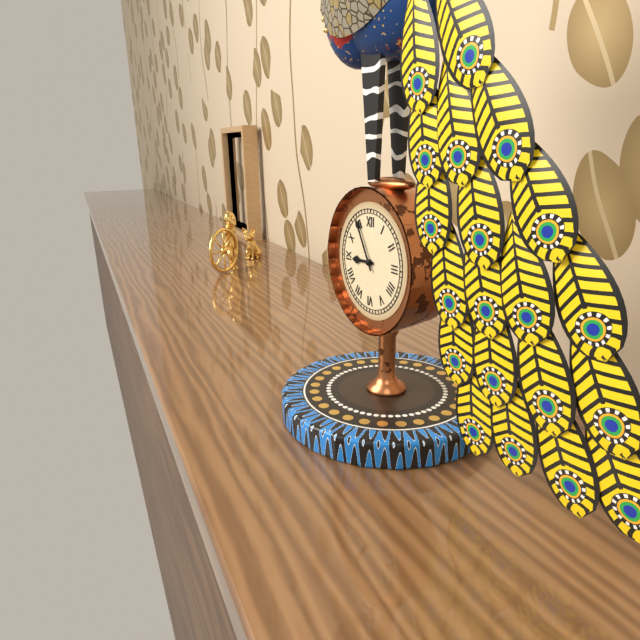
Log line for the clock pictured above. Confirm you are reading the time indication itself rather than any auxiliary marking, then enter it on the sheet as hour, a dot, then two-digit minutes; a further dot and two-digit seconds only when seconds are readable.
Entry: 8.55
